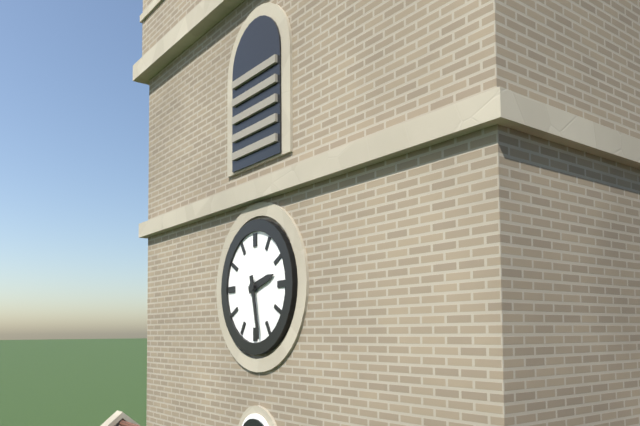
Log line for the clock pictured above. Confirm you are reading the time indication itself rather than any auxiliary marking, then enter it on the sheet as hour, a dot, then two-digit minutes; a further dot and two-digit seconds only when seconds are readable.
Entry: 2.28
